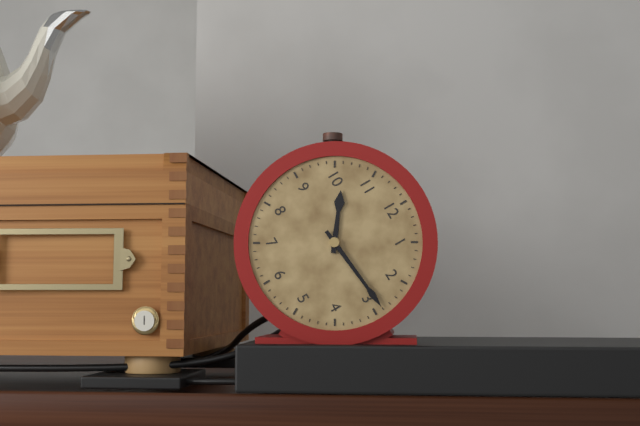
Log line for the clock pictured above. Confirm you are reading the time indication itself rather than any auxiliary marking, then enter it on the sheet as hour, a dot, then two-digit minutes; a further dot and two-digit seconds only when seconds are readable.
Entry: 10.14
